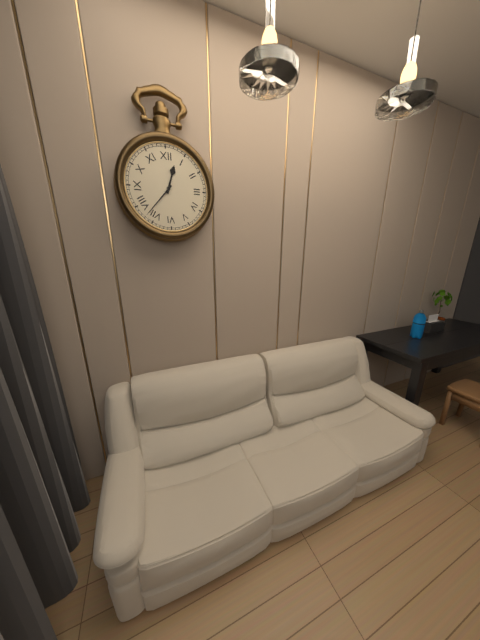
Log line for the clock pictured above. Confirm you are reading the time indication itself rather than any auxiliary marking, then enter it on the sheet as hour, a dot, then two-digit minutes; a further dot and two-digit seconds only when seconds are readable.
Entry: 12.37
